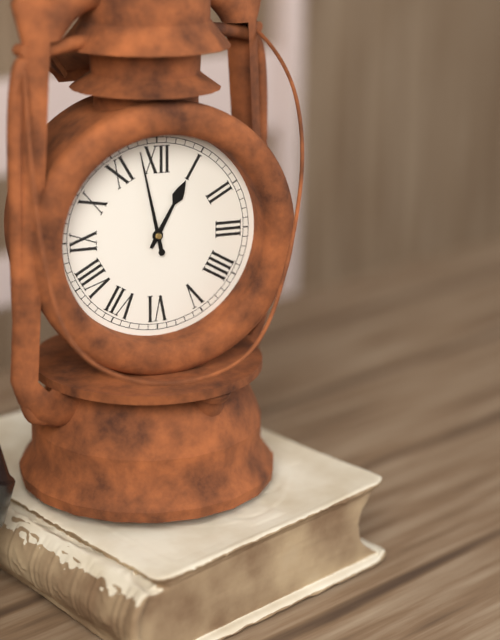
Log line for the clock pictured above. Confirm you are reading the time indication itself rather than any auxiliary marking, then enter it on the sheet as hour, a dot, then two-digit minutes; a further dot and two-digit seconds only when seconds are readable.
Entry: 12.58
